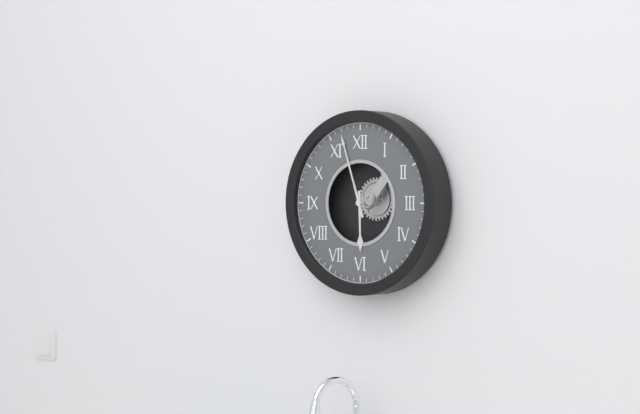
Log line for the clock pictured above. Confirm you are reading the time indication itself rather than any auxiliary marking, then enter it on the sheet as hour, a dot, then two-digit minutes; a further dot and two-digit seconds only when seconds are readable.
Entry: 5.57
